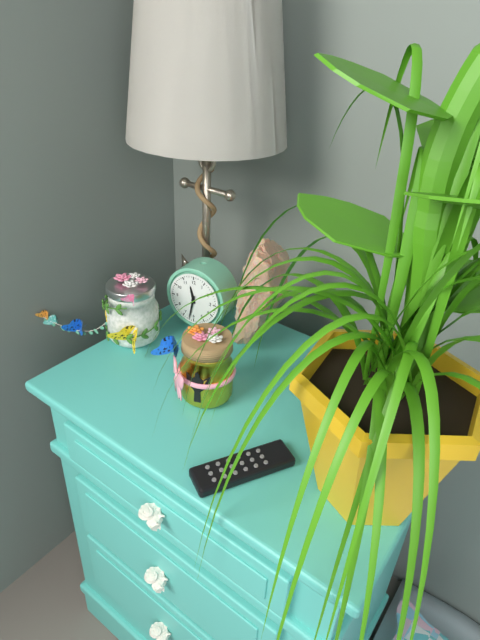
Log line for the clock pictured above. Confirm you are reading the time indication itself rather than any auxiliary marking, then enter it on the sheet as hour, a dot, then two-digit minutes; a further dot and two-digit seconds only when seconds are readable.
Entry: 11.32
